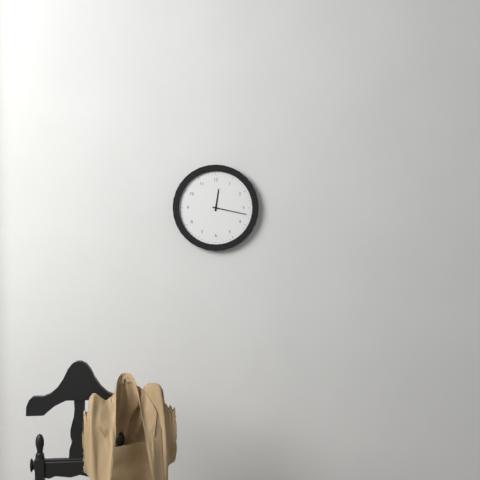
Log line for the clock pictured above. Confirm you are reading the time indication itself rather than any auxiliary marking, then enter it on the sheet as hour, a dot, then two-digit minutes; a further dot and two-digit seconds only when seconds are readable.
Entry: 12.17
